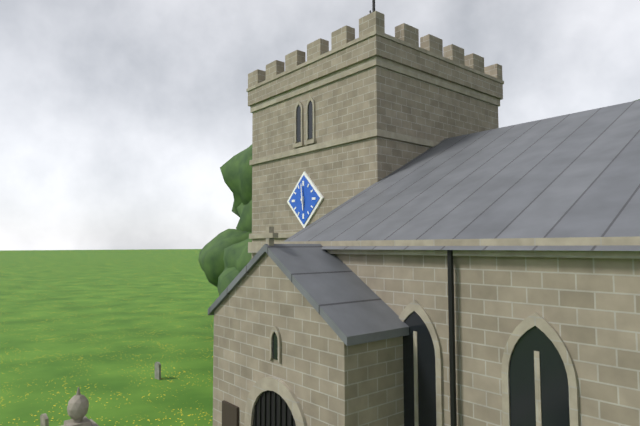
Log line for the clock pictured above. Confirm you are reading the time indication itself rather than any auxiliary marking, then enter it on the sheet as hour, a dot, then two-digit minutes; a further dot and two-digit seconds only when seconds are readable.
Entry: 5.59
